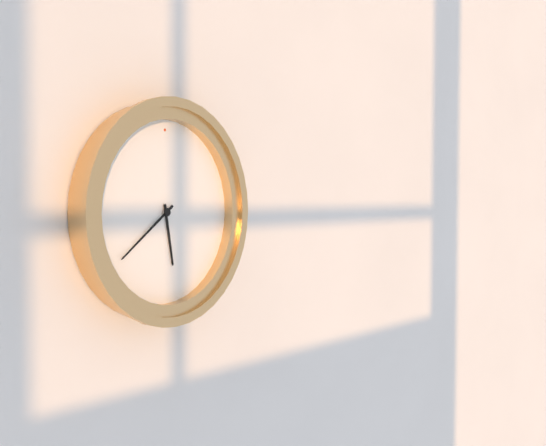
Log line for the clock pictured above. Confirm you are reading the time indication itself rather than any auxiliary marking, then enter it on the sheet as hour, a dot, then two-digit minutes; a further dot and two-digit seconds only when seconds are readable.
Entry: 5.39
